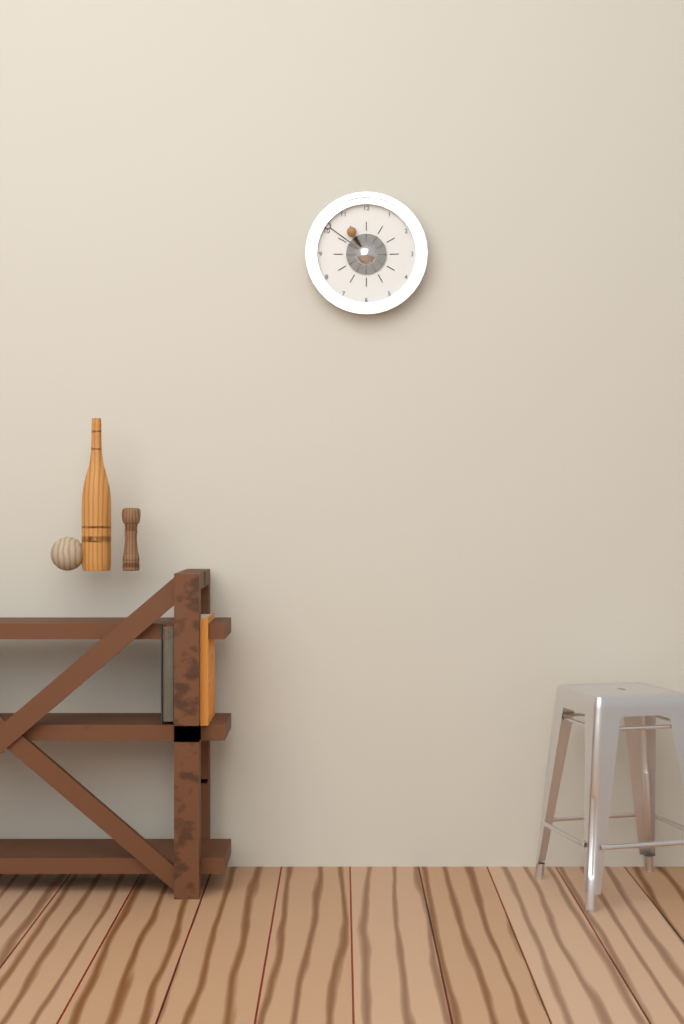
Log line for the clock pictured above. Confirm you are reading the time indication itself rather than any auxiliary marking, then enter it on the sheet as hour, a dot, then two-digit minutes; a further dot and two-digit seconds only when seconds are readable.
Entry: 10.51
